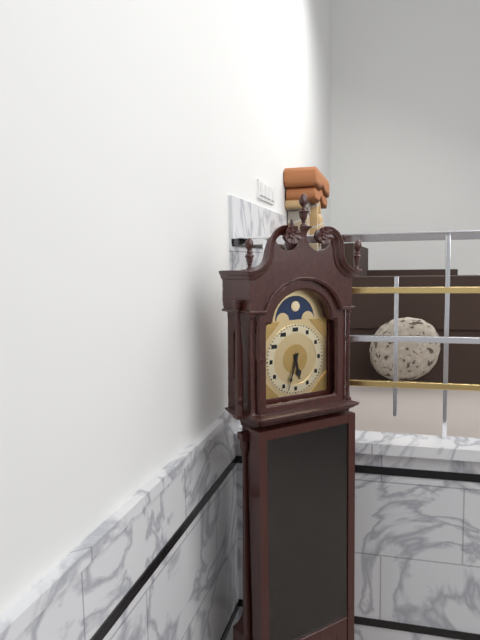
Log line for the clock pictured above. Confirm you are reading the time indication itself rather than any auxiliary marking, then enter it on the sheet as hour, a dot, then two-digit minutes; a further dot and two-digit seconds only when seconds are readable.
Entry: 5.33
